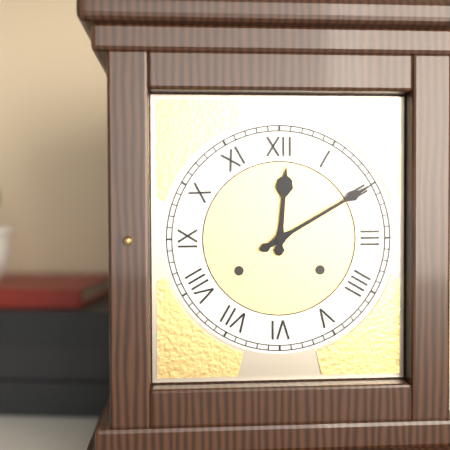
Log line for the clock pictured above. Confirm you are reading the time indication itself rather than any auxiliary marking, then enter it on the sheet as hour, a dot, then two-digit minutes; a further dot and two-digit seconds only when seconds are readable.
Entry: 12.10
